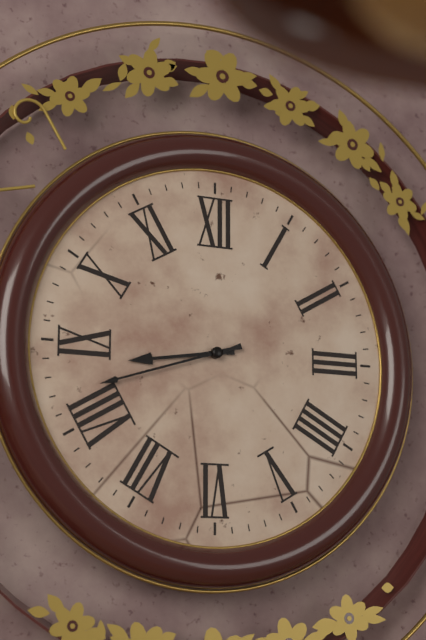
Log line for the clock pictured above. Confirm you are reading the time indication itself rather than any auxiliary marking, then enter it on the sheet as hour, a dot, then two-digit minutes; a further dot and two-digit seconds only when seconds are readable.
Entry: 8.42
